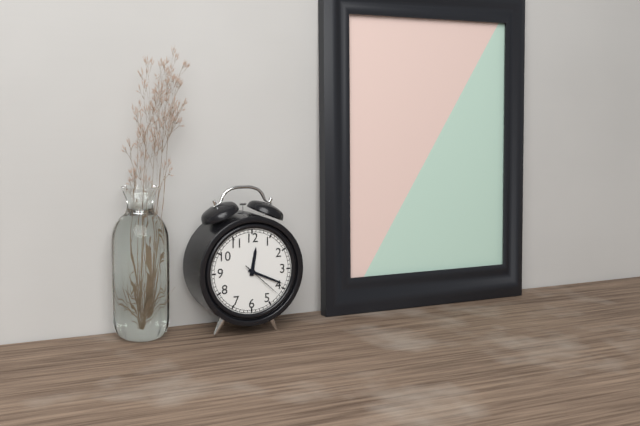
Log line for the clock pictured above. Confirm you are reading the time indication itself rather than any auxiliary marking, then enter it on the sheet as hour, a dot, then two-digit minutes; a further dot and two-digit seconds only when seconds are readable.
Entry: 12.19
